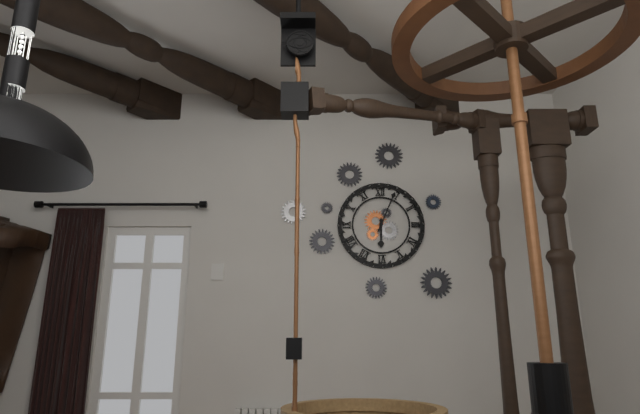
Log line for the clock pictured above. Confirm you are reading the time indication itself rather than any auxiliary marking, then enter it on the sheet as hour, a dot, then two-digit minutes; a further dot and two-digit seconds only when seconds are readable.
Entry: 6.04
